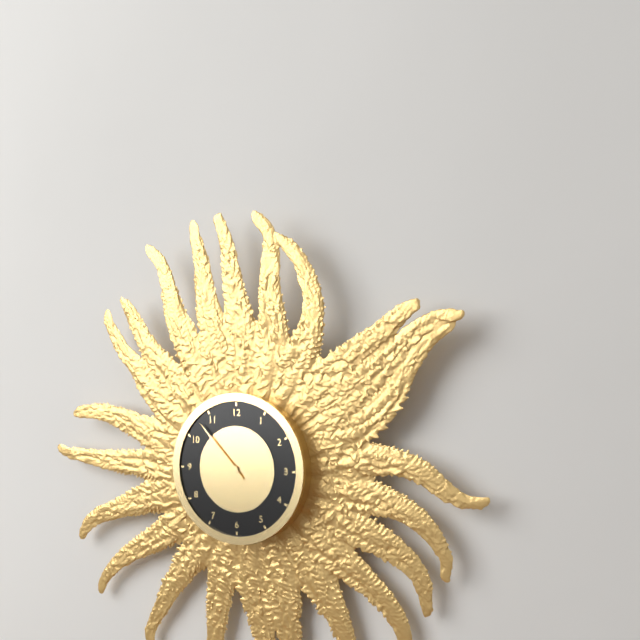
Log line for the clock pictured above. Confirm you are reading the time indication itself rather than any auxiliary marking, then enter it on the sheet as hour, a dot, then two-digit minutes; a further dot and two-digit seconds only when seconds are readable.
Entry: 2.53
